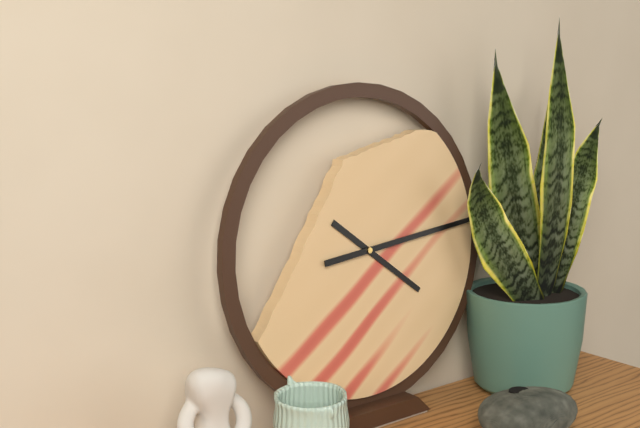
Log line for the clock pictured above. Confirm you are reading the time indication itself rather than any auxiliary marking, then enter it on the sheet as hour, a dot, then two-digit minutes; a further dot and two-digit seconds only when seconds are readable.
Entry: 4.14
